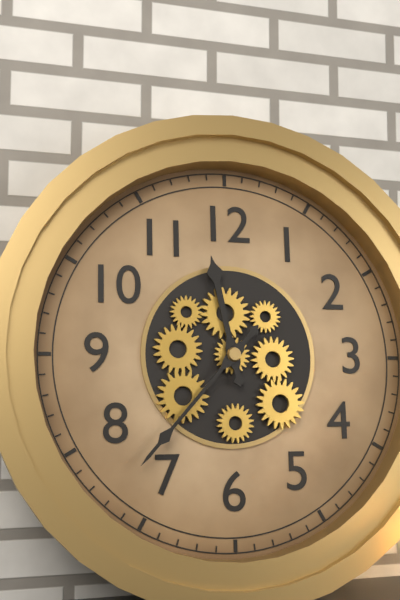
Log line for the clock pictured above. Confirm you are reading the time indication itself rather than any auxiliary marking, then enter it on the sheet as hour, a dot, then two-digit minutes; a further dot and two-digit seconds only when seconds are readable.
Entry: 11.37
